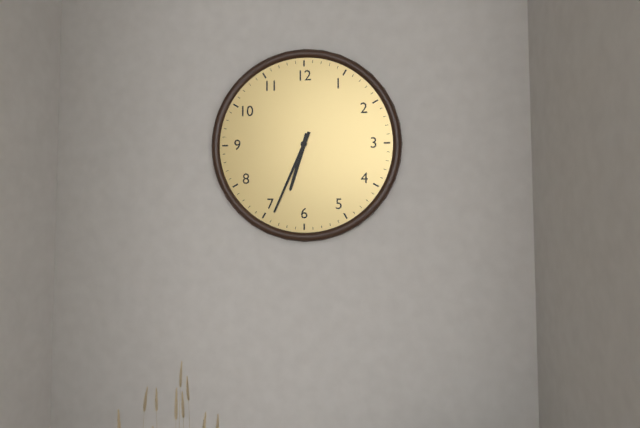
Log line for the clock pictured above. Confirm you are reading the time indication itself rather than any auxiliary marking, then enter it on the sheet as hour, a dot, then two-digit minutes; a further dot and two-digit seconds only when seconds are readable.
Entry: 6.34
